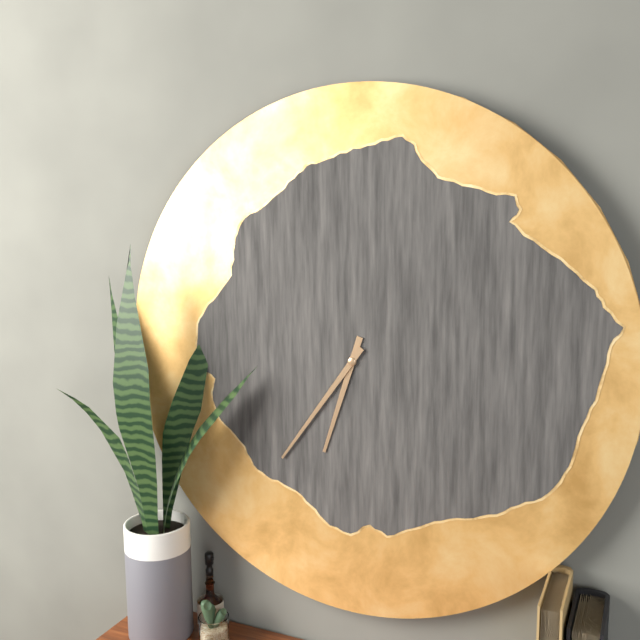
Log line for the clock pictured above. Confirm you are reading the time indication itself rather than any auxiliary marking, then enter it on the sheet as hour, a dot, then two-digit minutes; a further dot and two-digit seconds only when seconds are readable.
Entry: 6.36
